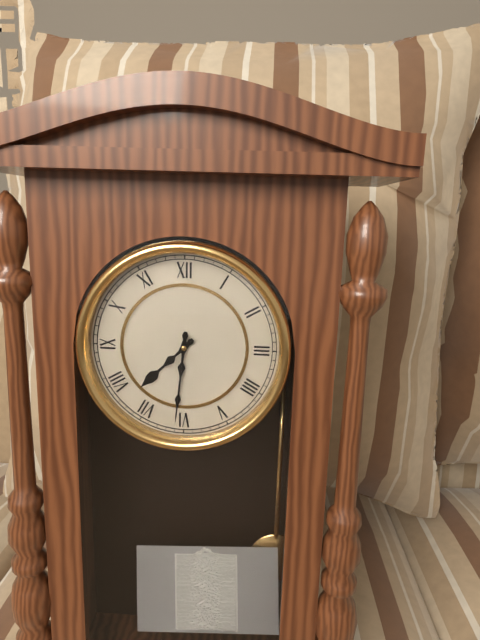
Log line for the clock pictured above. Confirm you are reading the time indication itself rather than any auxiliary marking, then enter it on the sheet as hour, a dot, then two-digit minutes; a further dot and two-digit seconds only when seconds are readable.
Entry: 7.31
